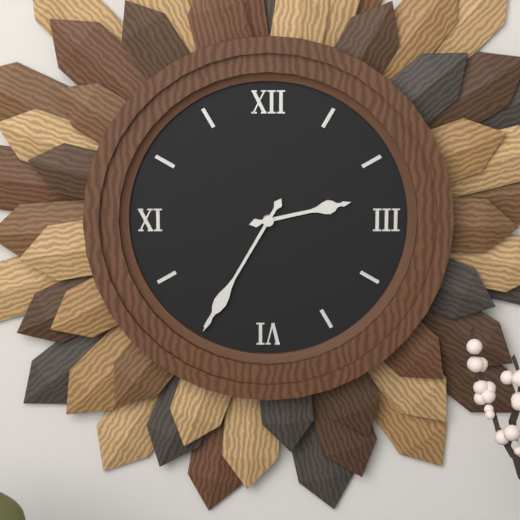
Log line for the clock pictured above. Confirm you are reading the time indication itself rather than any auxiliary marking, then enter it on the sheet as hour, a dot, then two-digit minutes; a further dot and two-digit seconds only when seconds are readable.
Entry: 2.35
